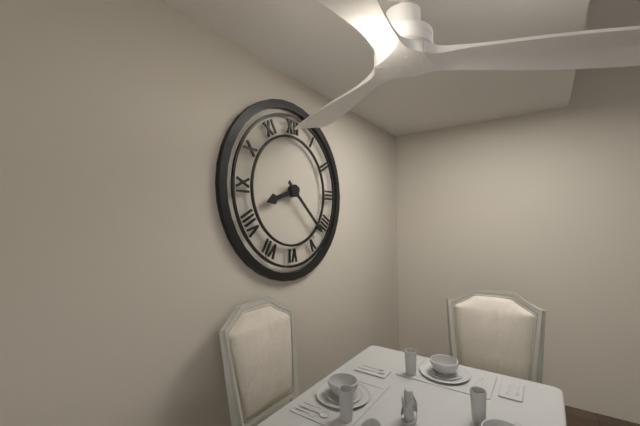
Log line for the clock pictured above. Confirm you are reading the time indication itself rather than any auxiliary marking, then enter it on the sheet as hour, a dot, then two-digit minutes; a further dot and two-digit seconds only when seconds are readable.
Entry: 8.22
